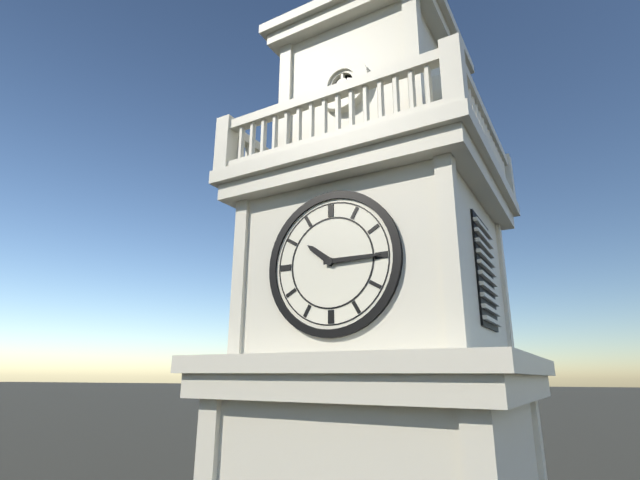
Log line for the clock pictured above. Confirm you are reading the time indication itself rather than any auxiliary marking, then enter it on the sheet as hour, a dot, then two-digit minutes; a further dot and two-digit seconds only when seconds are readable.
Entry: 10.15
